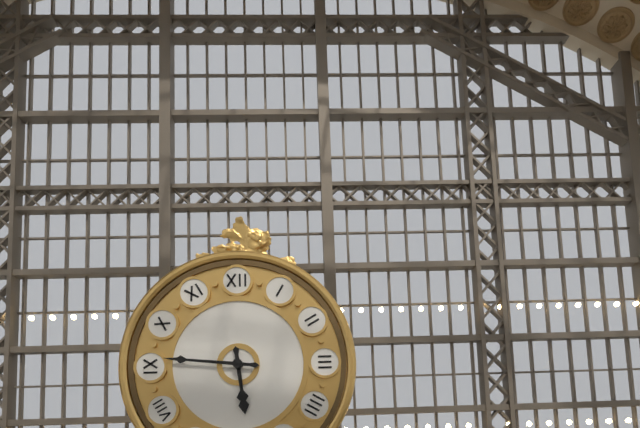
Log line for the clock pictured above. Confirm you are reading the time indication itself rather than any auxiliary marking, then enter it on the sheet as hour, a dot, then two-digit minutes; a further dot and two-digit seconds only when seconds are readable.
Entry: 5.46
